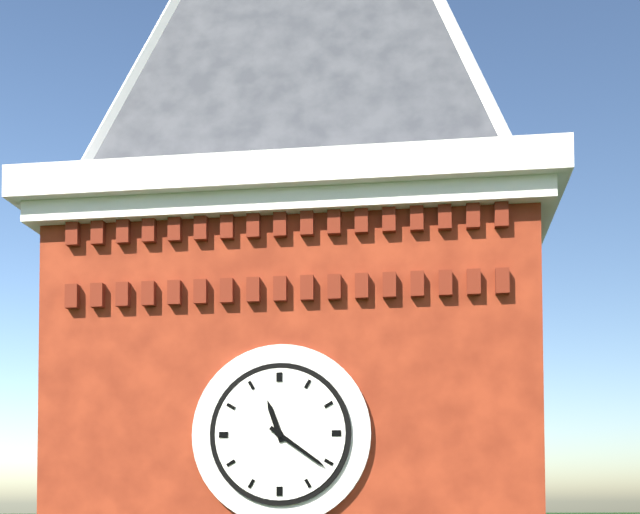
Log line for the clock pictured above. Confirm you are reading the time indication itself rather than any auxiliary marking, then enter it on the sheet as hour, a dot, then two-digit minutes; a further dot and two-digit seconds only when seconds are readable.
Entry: 11.21
